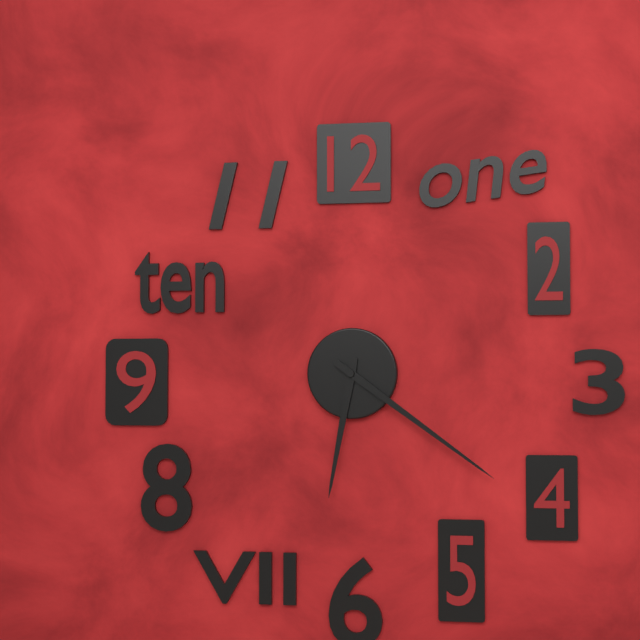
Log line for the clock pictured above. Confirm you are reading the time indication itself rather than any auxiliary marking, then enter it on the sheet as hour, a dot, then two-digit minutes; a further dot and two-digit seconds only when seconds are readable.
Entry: 6.21
